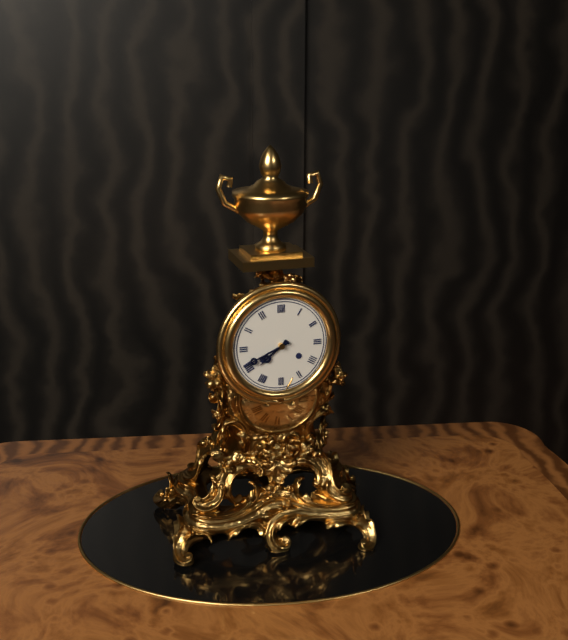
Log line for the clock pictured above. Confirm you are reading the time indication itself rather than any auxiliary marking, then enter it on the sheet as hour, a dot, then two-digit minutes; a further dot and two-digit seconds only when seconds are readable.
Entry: 7.41
